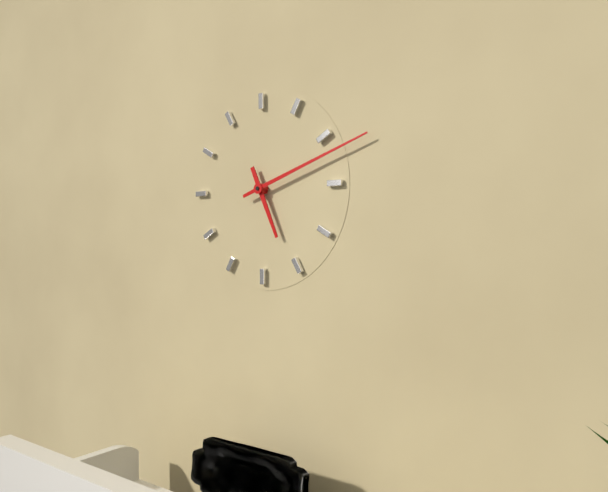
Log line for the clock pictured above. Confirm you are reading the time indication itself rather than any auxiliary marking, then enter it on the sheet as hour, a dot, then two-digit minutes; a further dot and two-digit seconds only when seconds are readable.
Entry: 5.12
